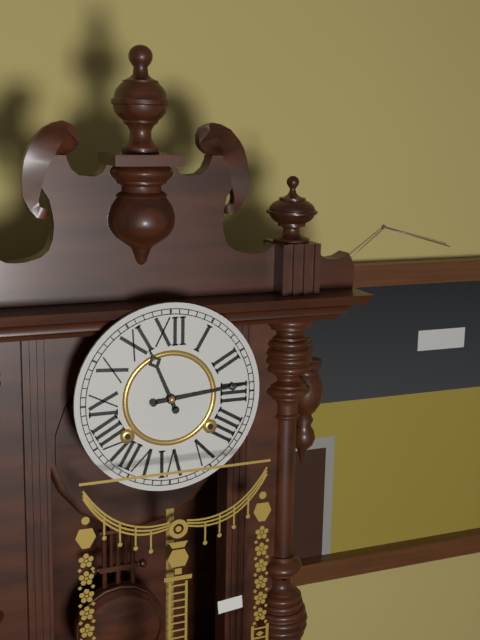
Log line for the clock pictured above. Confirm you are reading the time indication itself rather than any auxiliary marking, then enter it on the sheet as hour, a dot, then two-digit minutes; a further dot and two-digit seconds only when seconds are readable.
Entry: 11.14
